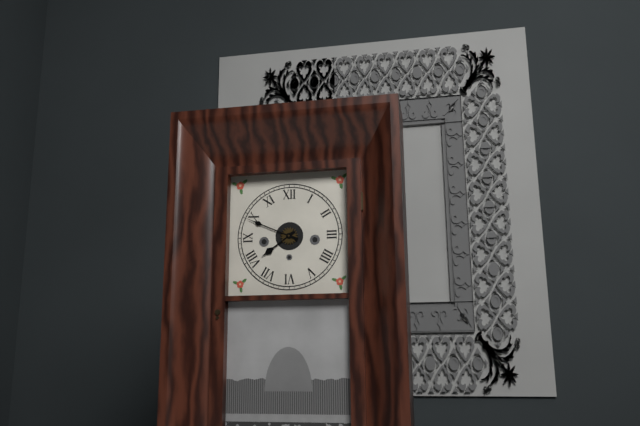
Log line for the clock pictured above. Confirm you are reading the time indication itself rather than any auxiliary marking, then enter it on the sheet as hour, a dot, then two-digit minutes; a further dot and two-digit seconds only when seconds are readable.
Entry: 7.49
